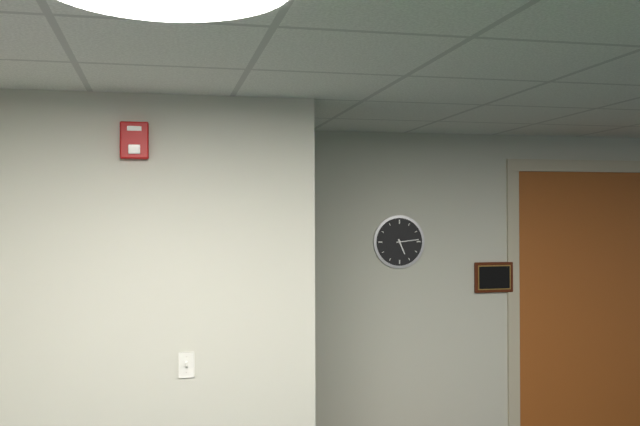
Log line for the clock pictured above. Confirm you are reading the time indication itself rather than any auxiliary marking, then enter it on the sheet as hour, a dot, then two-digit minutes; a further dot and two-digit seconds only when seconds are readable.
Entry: 5.14
